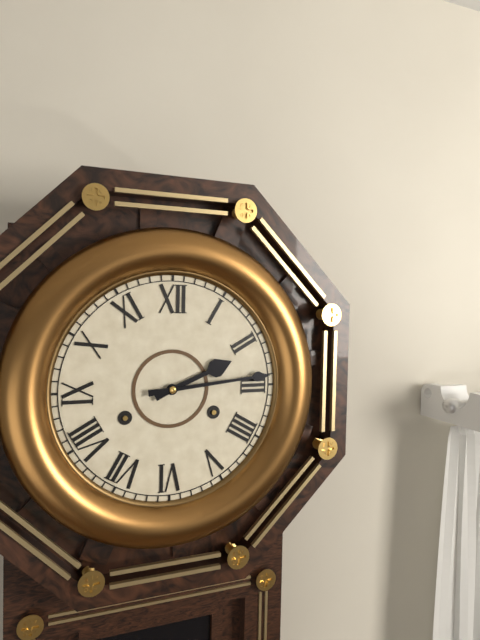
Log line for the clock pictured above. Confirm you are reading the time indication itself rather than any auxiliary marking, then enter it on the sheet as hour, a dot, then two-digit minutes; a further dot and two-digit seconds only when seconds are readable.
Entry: 2.14
